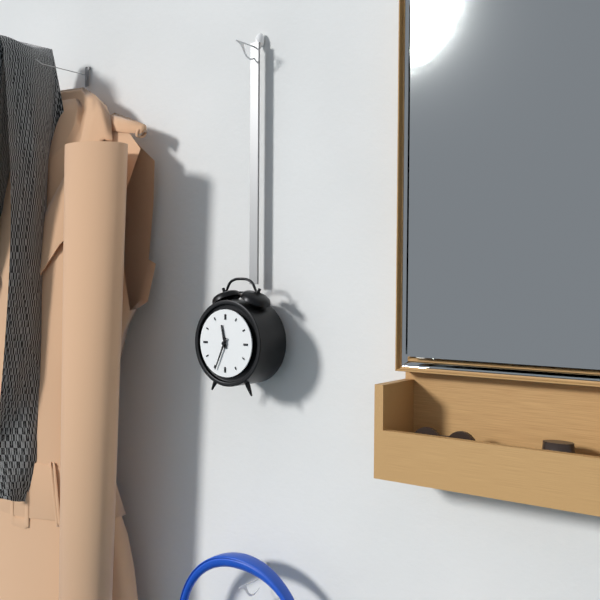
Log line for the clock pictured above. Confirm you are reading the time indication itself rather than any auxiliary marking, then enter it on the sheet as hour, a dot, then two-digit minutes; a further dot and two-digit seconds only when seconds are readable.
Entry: 11.34
